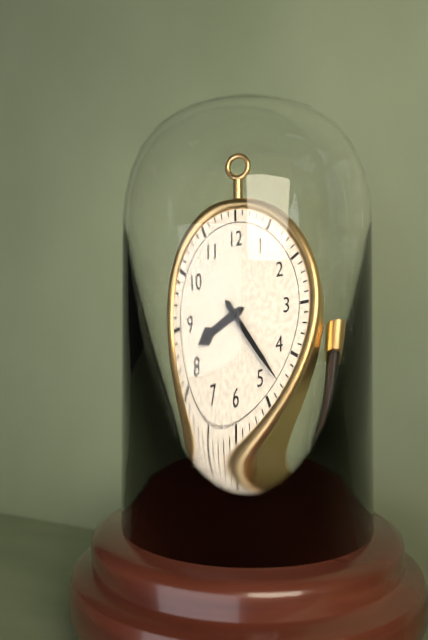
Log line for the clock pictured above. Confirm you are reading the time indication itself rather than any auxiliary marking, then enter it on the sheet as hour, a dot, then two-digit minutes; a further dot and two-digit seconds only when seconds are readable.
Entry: 8.23
